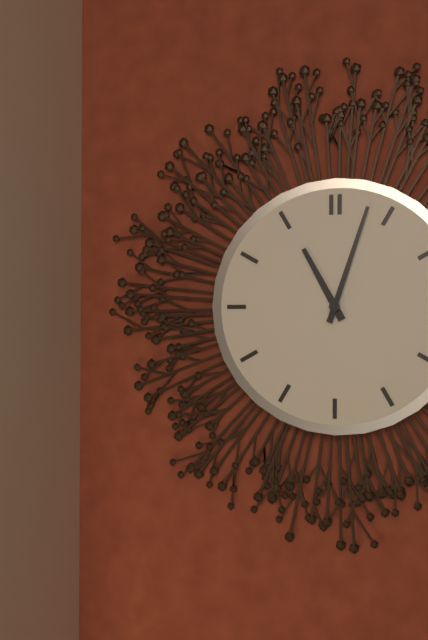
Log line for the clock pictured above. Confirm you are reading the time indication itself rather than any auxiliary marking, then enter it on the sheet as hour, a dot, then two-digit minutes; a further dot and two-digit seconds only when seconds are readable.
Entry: 11.03
